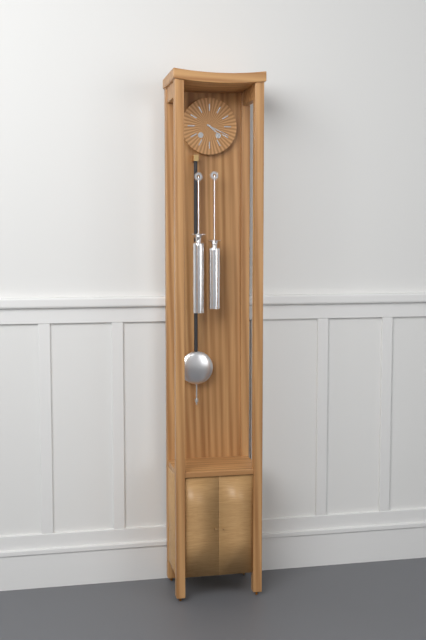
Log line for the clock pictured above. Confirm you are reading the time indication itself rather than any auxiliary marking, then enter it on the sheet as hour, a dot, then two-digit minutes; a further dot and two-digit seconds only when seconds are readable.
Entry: 4.19
